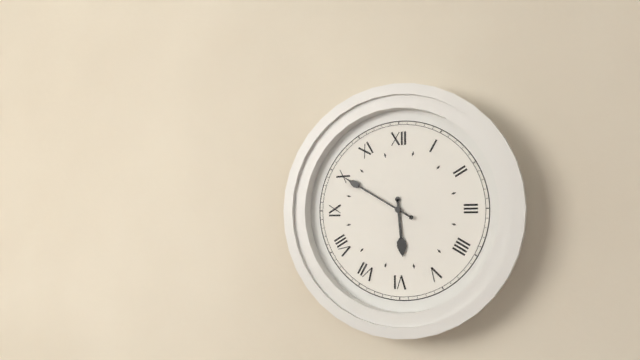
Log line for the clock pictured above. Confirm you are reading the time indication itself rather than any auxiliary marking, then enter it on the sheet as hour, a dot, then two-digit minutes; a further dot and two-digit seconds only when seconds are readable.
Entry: 5.50
